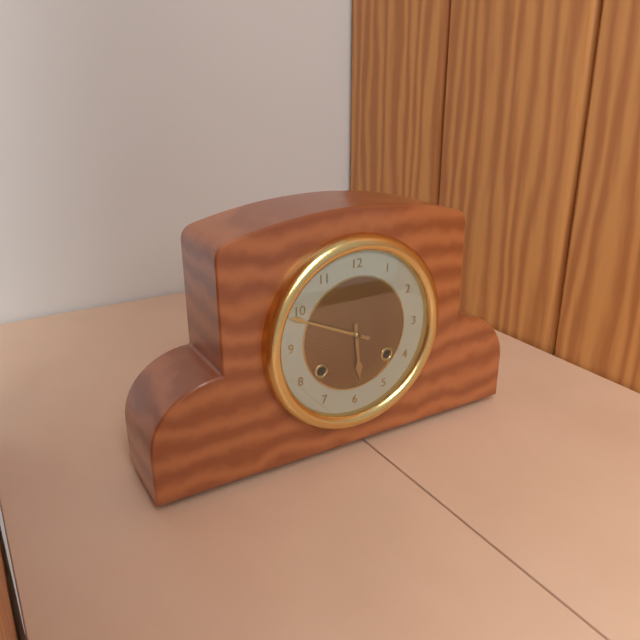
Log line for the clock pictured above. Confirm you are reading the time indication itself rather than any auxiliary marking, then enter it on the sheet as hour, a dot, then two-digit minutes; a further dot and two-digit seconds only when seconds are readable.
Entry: 5.49
